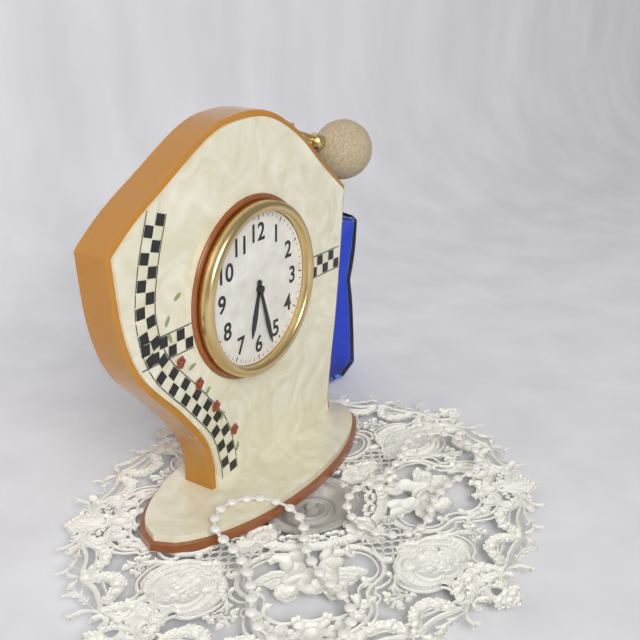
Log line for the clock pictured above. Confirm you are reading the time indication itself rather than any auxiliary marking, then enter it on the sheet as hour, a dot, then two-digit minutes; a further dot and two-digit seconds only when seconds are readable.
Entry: 6.27
